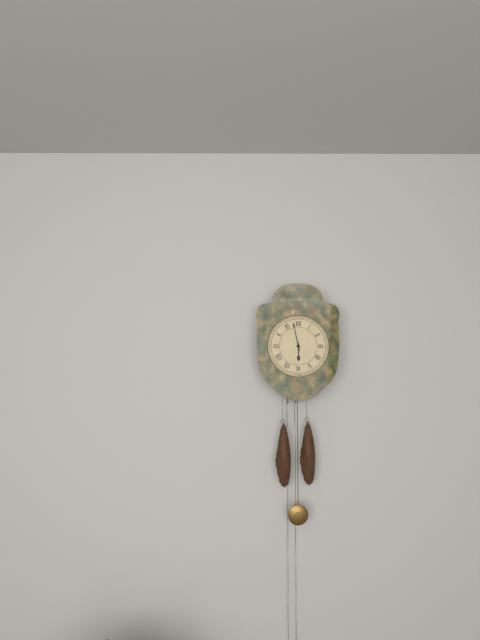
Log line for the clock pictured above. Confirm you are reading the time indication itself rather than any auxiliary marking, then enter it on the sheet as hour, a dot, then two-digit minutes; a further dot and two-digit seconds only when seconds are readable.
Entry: 5.58
